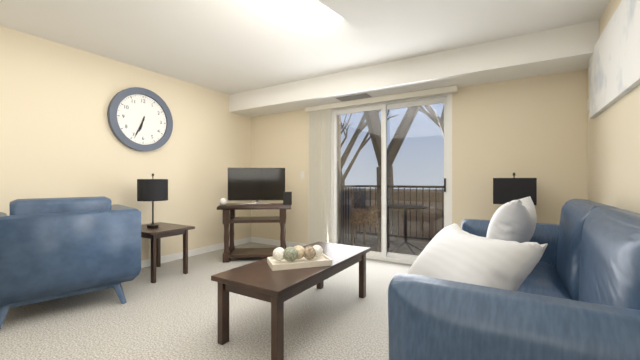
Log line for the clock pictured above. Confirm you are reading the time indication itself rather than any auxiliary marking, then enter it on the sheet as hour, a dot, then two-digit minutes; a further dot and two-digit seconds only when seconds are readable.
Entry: 6.34
